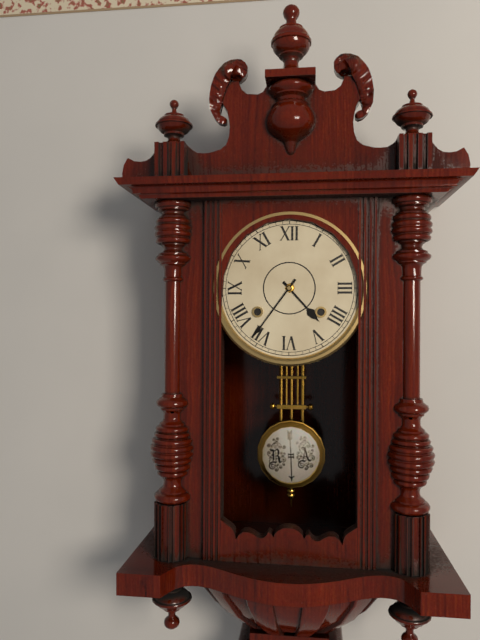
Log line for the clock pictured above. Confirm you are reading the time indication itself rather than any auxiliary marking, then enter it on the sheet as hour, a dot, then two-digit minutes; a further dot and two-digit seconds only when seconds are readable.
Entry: 4.36
